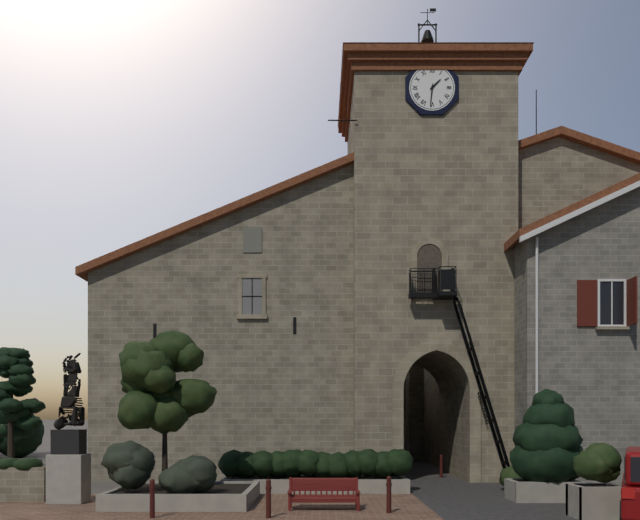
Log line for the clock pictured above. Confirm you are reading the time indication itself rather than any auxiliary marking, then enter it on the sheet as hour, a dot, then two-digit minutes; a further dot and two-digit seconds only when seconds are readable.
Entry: 1.31
